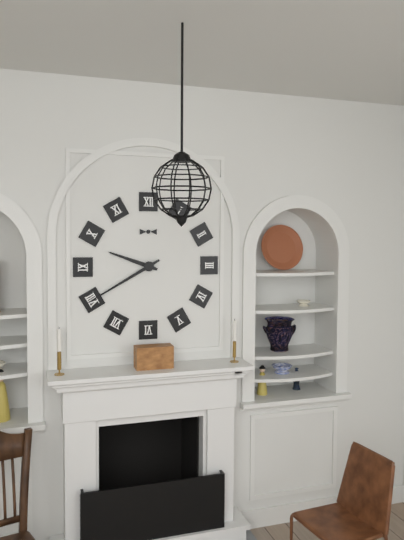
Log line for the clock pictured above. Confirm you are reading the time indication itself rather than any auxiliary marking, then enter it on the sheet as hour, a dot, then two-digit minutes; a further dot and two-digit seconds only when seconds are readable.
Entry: 9.40
